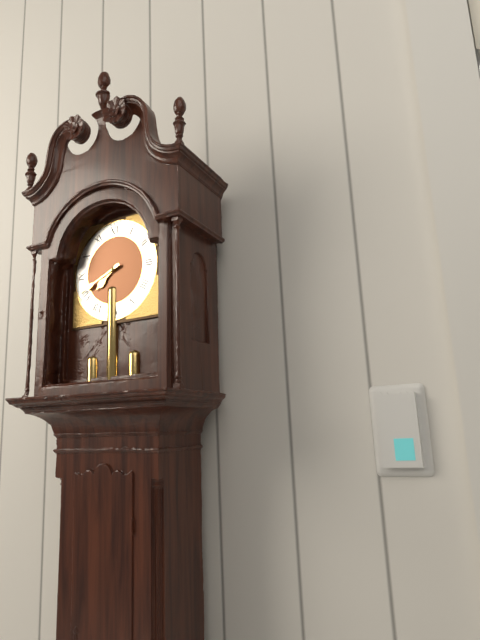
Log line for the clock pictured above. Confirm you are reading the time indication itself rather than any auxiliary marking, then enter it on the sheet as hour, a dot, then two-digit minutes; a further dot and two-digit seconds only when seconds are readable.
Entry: 7.41
